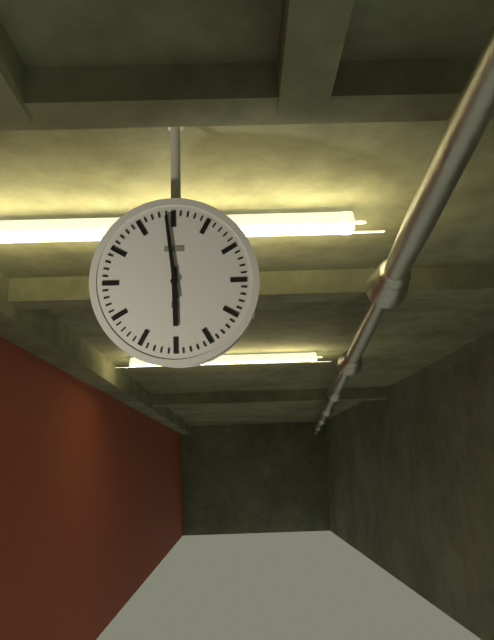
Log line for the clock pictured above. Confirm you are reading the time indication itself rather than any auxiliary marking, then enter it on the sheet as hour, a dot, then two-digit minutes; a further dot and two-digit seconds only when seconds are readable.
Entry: 5.59
